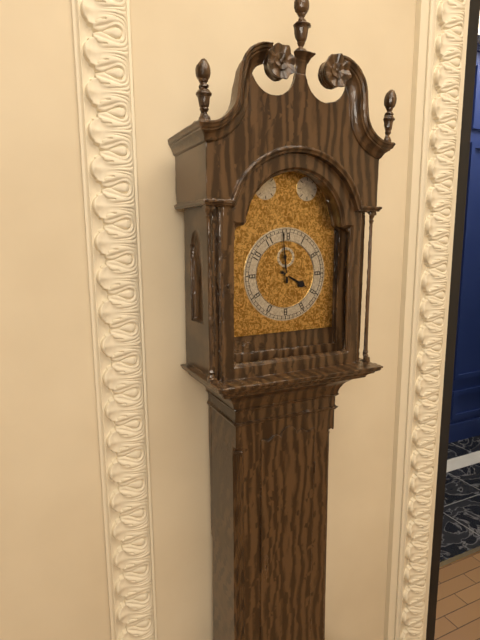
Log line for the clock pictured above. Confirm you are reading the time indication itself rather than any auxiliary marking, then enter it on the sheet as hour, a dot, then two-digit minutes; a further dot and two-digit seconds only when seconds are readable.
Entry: 3.59
